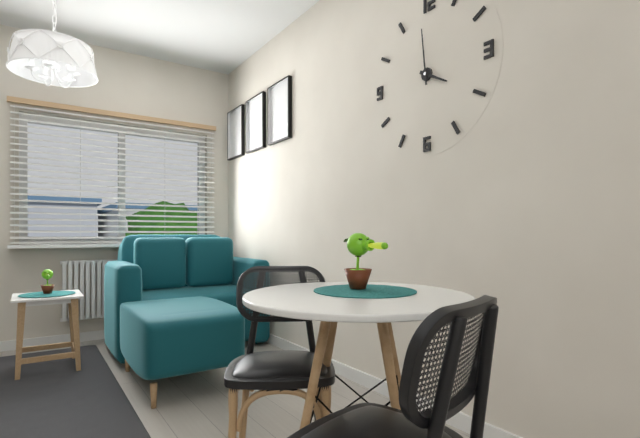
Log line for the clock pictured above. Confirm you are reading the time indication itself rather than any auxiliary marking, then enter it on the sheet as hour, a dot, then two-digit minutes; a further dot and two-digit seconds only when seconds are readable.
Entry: 3.59
